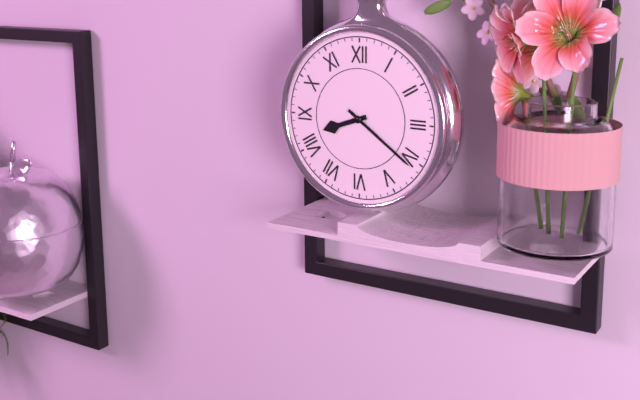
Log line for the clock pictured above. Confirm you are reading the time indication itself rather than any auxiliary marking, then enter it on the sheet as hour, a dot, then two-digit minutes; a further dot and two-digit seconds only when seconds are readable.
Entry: 8.21
